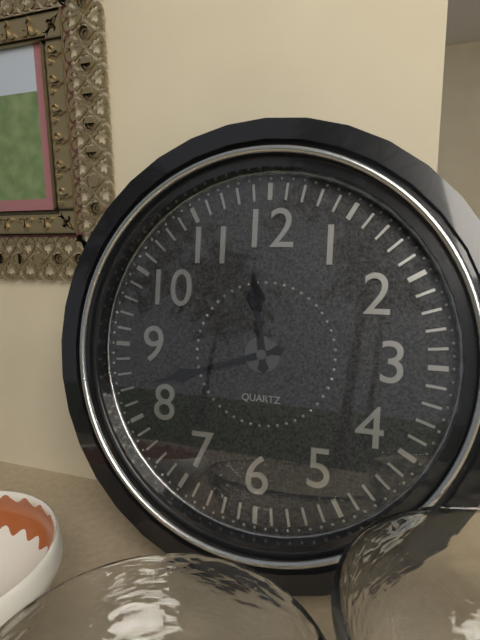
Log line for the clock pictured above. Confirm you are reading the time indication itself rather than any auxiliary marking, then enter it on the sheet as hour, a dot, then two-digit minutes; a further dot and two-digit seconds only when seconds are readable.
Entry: 11.42
